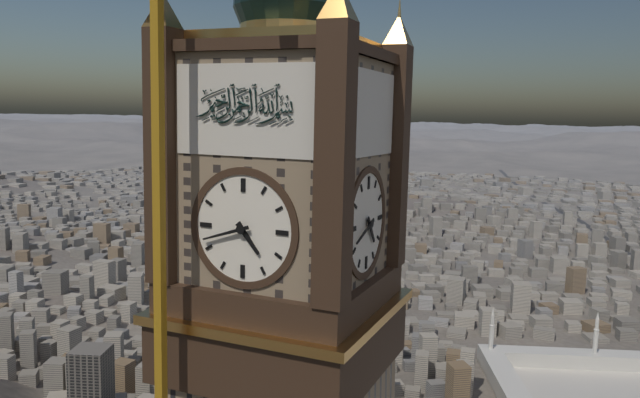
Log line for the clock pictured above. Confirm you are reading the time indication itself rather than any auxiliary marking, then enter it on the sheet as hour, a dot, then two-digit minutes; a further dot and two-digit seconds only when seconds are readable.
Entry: 4.42
